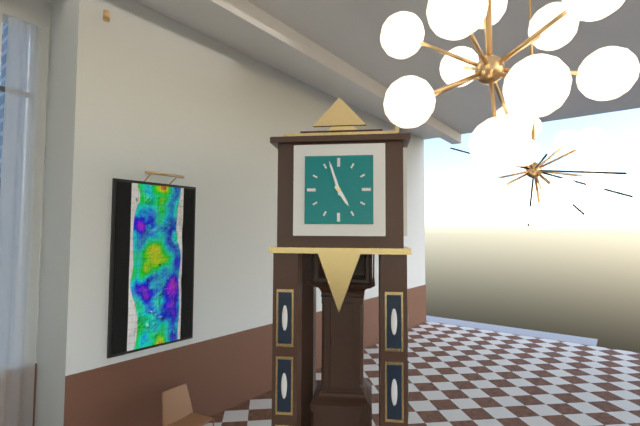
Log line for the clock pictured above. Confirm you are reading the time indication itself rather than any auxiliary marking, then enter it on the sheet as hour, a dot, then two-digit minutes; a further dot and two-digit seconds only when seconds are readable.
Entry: 4.57
